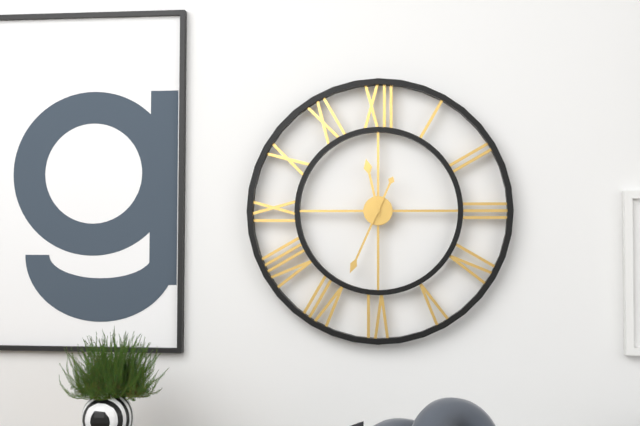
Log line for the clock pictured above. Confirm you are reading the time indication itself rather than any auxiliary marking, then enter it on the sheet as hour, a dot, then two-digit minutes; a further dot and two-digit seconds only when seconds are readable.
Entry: 11.34
